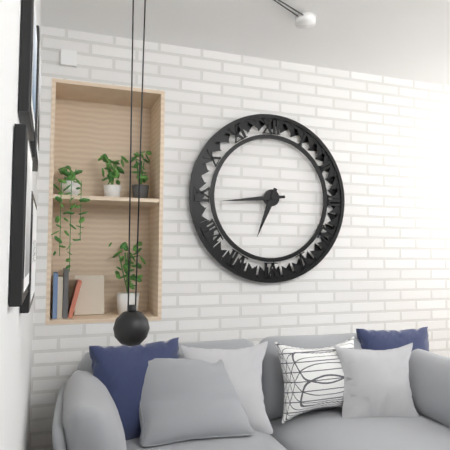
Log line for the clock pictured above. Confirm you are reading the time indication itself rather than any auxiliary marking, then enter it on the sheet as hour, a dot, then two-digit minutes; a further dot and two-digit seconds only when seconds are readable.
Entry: 6.44
